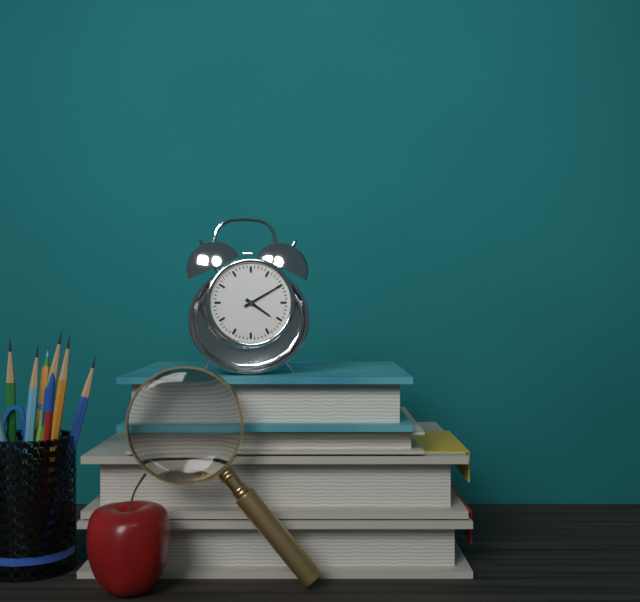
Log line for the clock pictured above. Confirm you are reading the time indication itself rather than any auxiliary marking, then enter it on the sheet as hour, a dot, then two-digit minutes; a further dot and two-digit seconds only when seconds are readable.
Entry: 4.10
